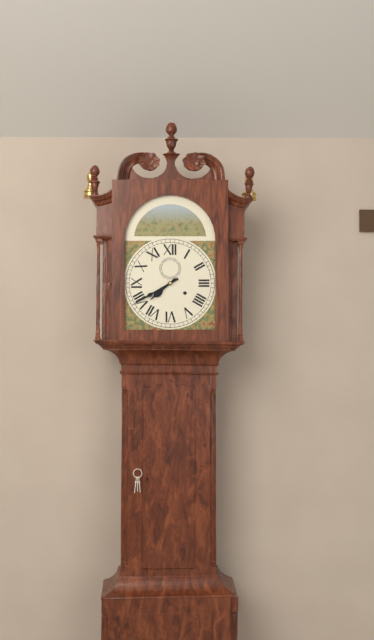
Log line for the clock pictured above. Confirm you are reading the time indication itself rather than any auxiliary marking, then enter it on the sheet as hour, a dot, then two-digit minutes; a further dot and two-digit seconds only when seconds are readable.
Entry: 7.40
